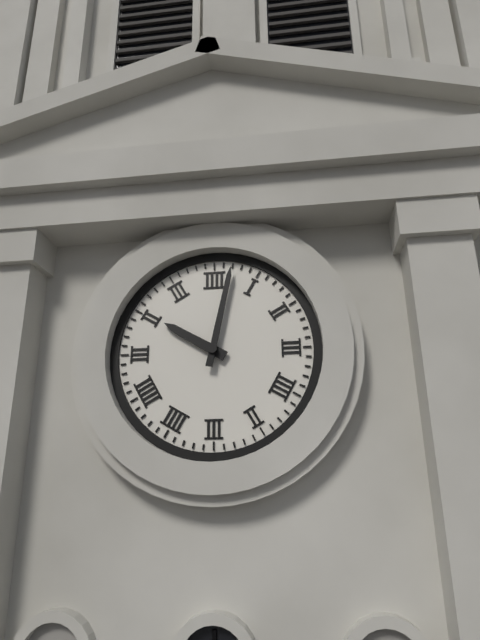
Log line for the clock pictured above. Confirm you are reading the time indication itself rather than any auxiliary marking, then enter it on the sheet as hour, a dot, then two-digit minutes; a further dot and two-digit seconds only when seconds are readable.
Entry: 10.02
